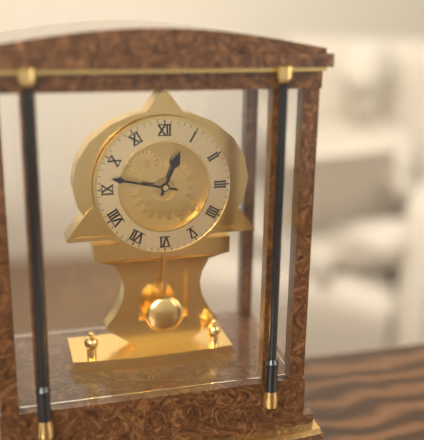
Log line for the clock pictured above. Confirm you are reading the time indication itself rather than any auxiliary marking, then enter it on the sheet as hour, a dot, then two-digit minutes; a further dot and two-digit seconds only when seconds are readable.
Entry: 12.47
